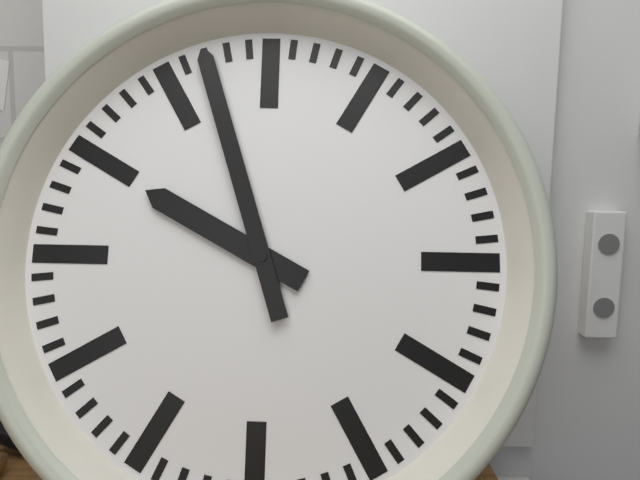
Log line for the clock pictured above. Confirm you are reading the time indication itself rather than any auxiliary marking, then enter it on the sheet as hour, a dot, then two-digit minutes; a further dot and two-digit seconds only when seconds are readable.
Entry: 9.57
